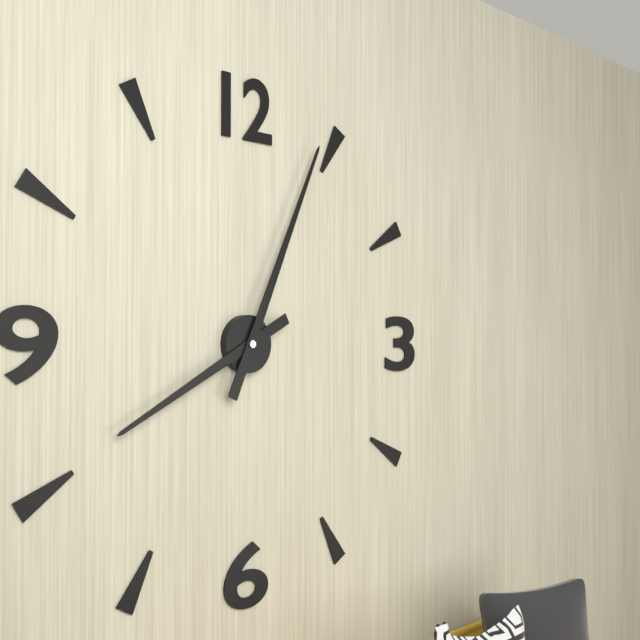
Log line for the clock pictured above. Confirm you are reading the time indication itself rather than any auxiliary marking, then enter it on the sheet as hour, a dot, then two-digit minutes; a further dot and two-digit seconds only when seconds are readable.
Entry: 8.04
